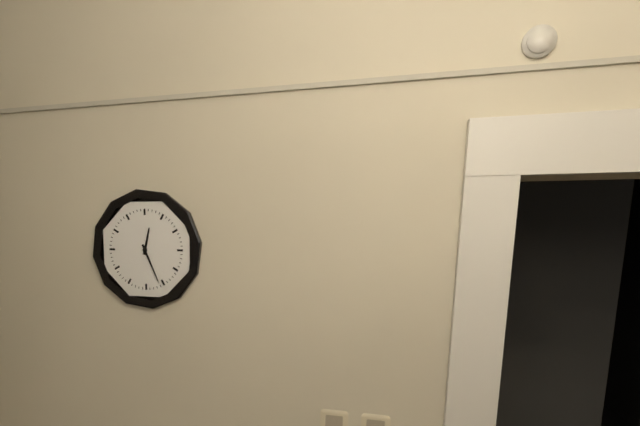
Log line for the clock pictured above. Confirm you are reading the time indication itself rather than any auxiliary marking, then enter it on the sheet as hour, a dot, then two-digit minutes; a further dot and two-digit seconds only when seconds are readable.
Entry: 12.26
